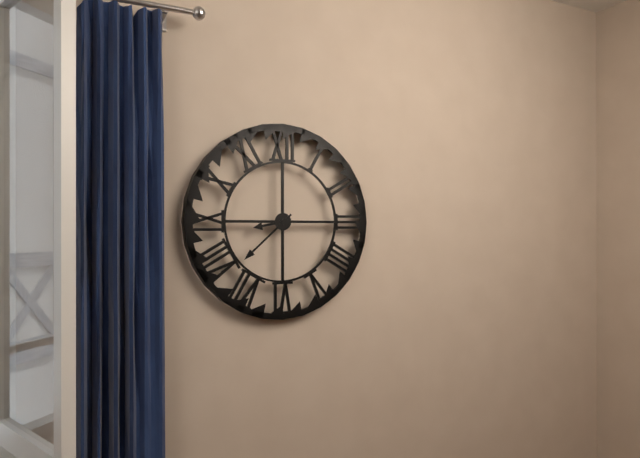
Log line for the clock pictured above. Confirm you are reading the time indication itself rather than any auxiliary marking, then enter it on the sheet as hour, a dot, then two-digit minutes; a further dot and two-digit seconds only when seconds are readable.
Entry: 8.38
